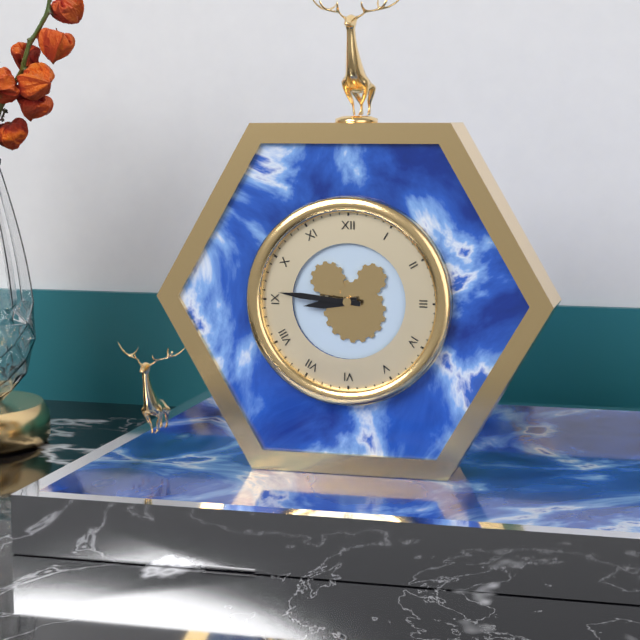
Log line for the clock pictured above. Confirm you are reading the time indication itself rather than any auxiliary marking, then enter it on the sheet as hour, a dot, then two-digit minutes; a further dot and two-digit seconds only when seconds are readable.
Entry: 8.46
